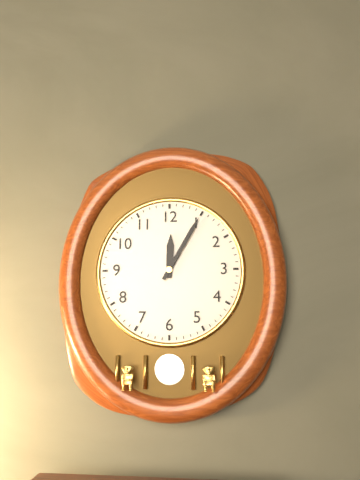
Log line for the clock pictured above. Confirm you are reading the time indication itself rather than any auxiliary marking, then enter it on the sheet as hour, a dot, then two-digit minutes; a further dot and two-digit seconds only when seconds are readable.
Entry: 12.05
